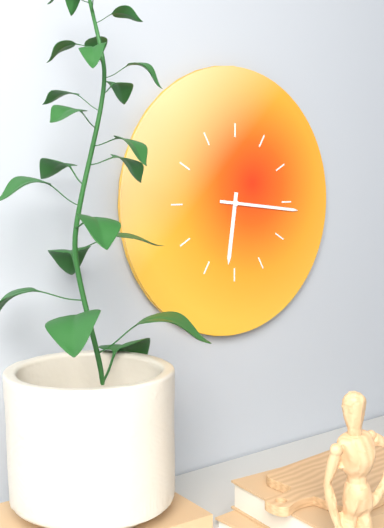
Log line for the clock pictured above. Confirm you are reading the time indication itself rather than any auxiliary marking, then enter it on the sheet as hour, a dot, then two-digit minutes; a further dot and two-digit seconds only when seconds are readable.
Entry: 6.16
